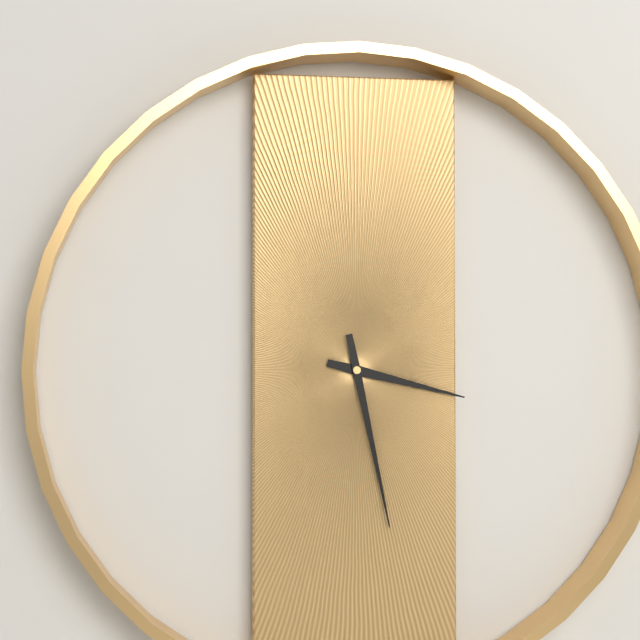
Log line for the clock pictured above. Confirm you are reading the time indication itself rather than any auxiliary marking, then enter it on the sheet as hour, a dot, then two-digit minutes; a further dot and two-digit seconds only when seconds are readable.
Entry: 3.28
